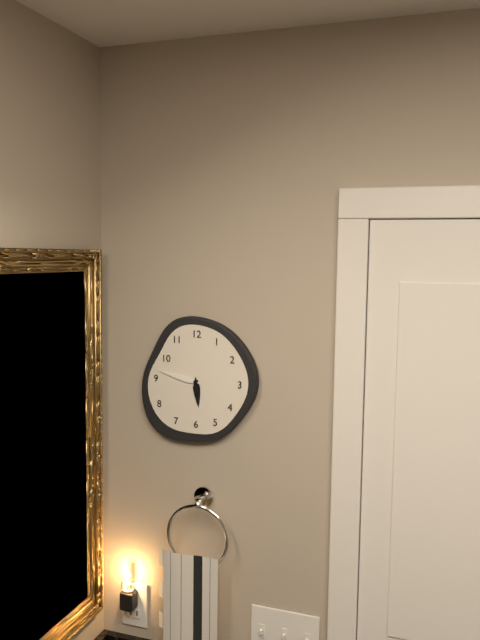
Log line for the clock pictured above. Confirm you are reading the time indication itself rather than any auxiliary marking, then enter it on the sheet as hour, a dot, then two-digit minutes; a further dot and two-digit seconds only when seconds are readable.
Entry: 5.47
